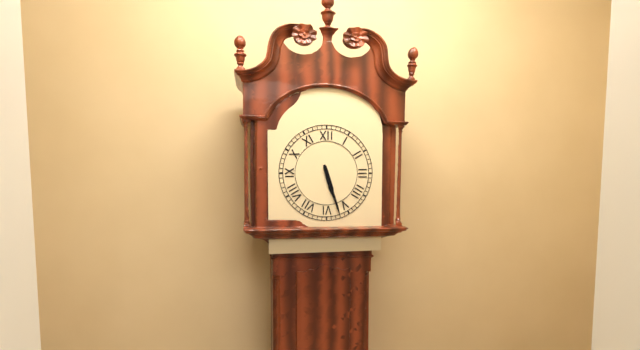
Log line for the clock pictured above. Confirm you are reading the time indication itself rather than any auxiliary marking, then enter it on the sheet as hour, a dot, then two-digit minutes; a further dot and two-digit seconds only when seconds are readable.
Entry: 5.27
